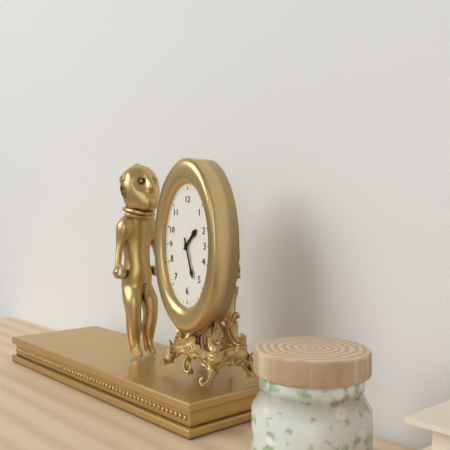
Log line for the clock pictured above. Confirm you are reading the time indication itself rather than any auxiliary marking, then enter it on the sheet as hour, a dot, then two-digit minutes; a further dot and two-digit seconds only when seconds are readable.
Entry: 1.27
